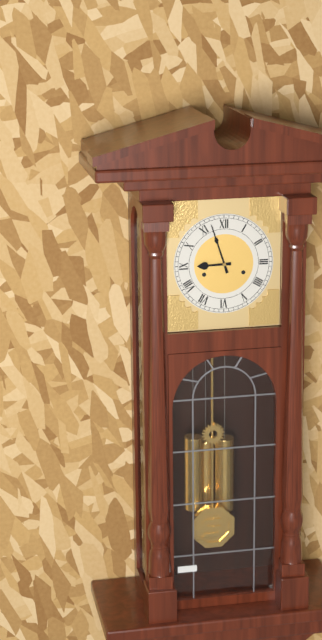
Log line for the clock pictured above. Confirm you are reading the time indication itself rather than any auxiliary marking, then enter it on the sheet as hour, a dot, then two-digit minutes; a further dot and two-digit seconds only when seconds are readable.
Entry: 8.57
